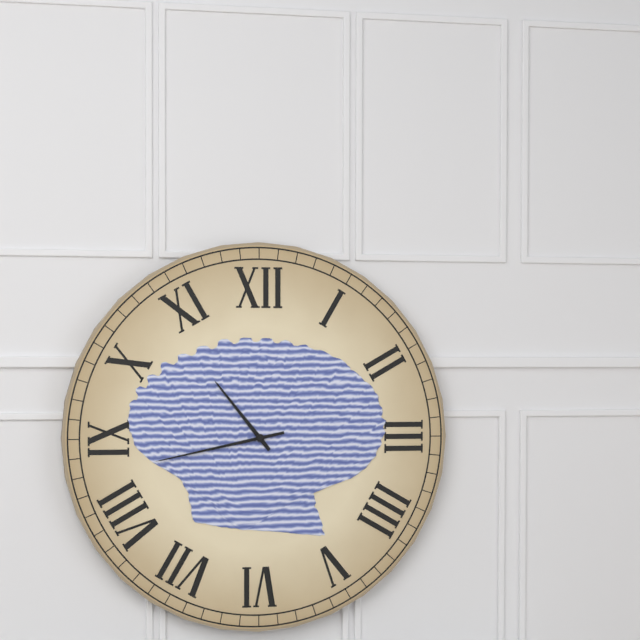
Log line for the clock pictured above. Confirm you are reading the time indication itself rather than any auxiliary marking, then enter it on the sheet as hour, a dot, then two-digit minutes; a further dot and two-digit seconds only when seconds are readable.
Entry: 10.43
